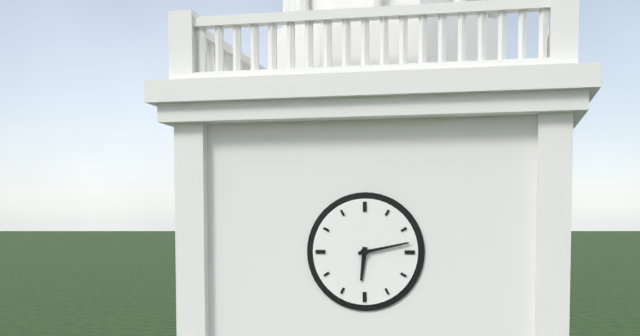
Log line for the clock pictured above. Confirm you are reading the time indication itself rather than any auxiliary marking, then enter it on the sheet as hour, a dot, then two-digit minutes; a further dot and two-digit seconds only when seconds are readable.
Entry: 6.13
